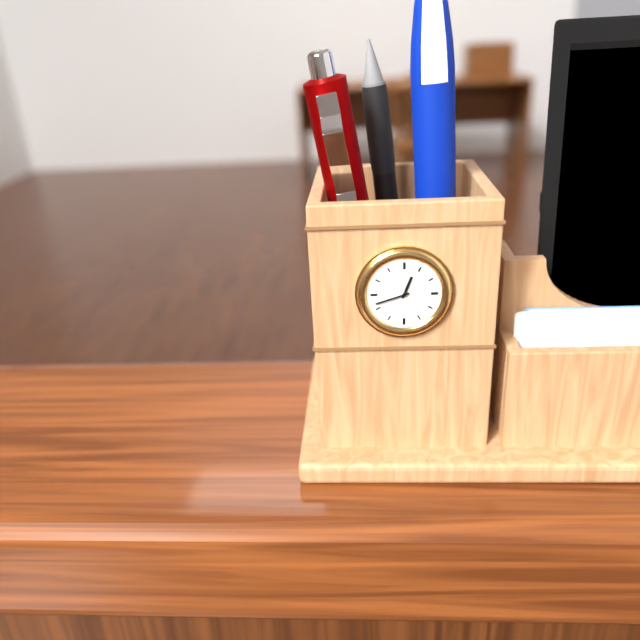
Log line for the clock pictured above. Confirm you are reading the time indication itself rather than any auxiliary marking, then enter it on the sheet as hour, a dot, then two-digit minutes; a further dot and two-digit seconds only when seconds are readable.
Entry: 12.42
